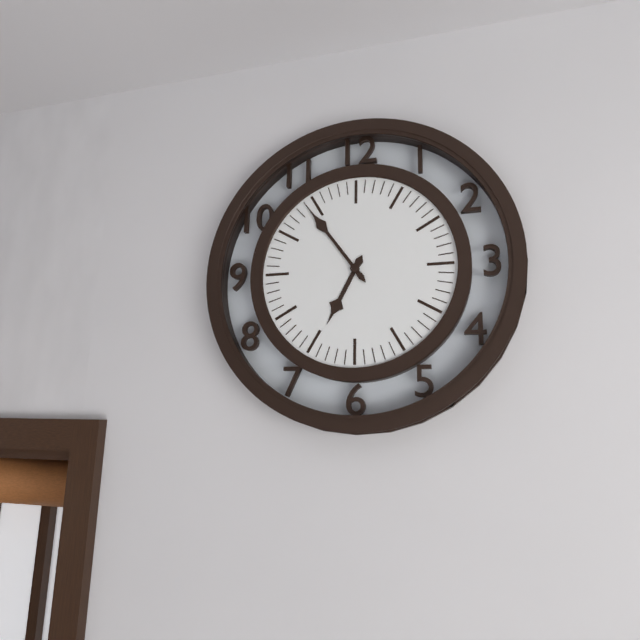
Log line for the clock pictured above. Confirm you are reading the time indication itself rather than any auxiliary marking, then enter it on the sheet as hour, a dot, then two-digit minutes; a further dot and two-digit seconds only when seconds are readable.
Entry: 6.54
